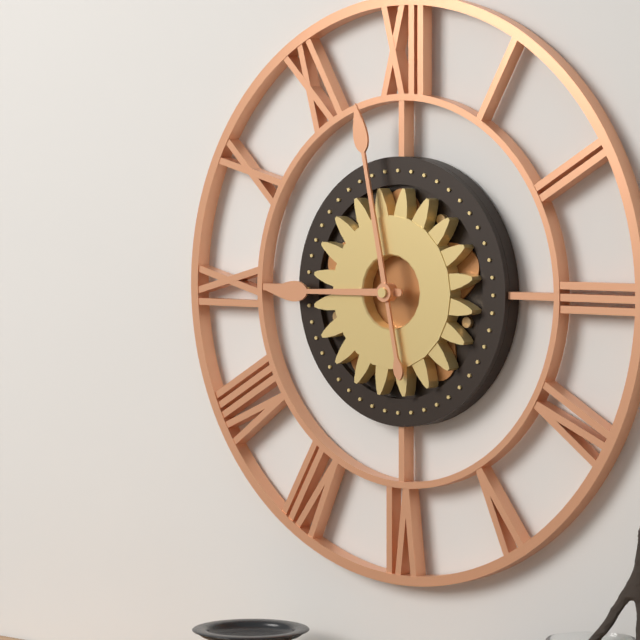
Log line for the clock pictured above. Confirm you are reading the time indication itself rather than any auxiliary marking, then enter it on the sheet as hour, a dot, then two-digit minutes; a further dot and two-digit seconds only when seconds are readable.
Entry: 8.58
